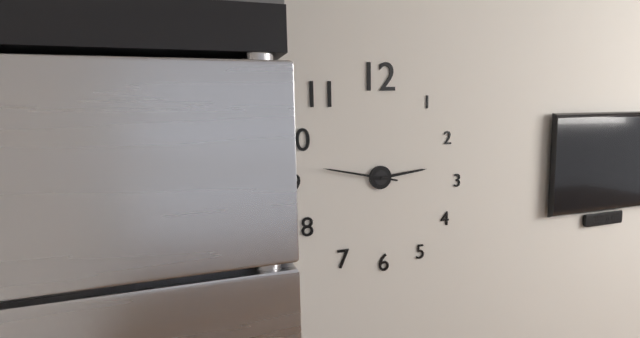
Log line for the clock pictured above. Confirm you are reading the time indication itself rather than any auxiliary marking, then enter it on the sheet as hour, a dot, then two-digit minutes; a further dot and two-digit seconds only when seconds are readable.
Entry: 2.47
